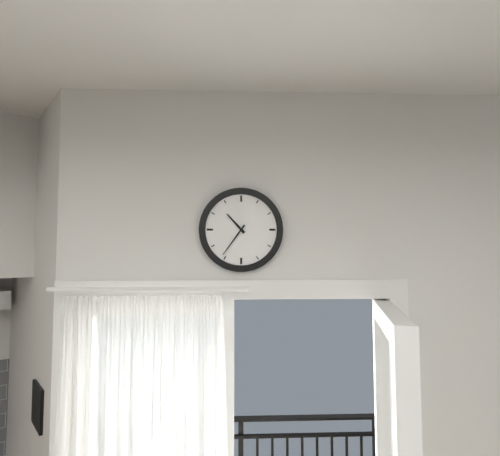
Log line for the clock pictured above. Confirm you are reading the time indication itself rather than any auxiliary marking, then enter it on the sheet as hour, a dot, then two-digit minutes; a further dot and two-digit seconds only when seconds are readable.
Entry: 10.36
